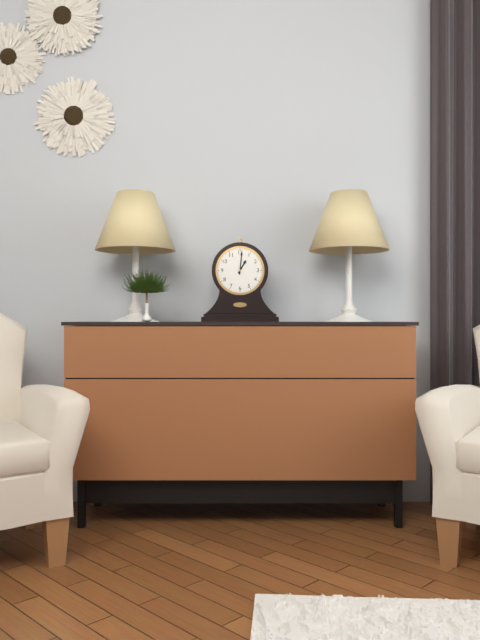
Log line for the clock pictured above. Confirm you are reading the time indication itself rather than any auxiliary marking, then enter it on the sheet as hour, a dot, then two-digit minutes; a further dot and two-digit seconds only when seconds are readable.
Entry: 1.01
